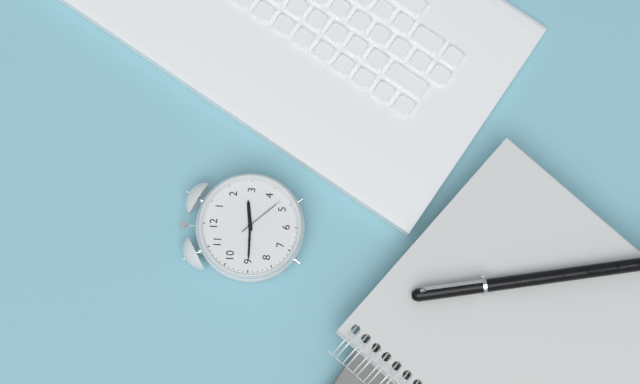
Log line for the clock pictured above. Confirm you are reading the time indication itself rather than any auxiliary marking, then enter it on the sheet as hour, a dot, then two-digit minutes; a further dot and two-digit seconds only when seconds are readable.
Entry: 2.45
